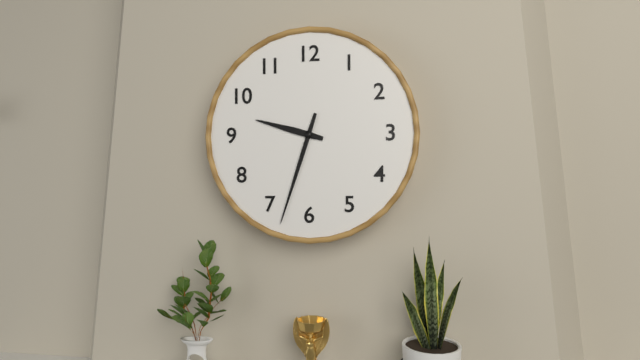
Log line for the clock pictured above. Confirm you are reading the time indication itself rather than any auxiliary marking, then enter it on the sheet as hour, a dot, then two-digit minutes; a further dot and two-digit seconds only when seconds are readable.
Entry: 9.33
